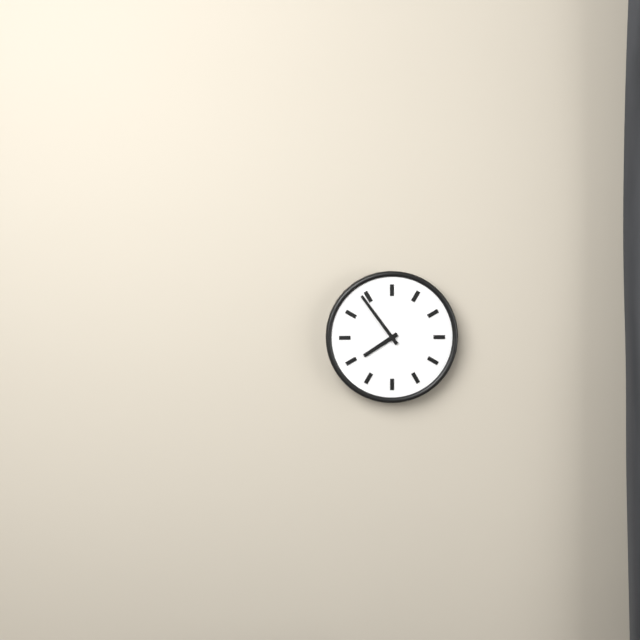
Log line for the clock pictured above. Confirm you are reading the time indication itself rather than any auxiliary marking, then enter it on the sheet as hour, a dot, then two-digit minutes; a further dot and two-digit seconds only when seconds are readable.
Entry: 7.54
